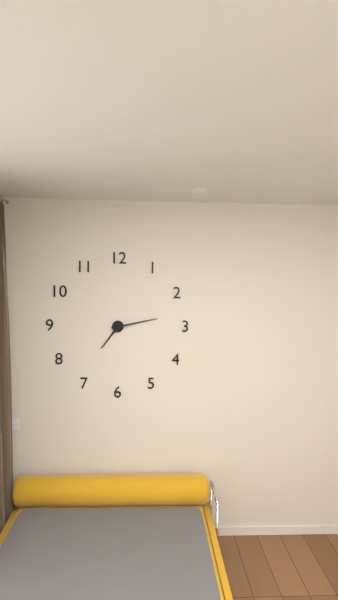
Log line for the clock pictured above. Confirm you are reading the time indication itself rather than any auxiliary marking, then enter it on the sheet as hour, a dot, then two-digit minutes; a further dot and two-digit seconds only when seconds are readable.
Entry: 7.13
